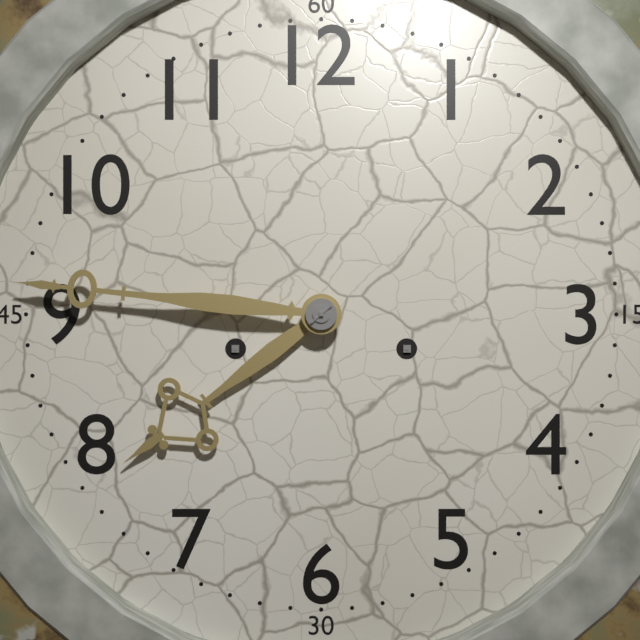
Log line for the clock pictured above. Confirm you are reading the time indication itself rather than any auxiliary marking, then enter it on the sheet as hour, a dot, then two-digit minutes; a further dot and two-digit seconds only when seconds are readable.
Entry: 7.46
